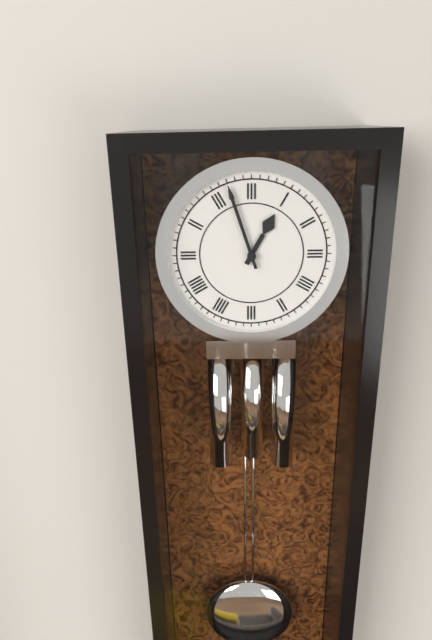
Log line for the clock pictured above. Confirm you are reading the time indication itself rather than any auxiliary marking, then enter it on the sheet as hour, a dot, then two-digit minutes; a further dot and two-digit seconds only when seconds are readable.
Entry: 12.57
